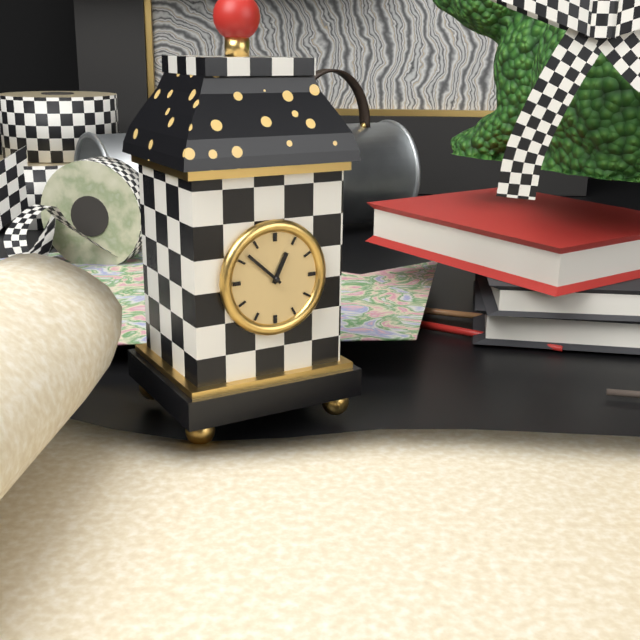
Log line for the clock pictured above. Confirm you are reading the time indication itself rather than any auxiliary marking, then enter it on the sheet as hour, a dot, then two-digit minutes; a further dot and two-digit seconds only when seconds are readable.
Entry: 12.52
